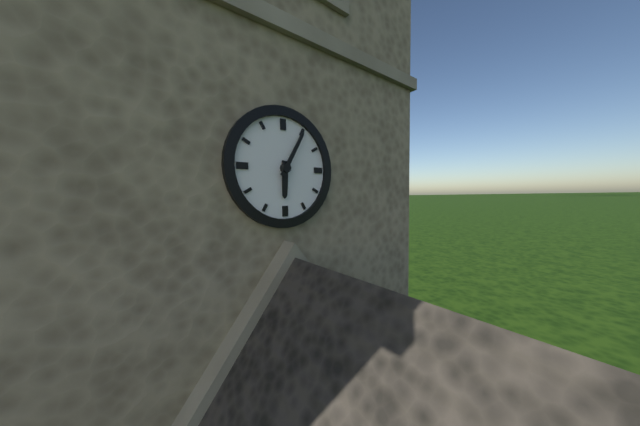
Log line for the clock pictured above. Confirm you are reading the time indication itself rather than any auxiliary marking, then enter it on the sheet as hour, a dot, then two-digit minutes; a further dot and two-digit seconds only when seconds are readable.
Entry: 6.05
